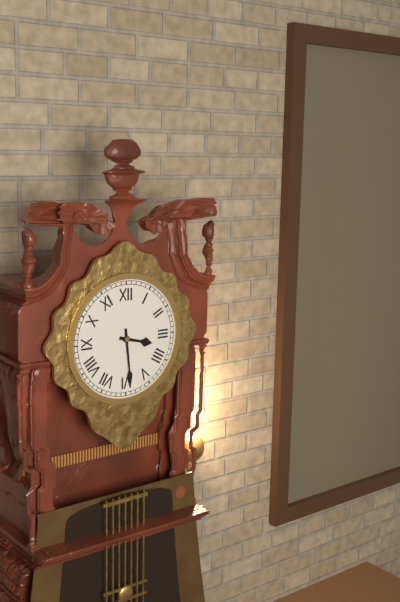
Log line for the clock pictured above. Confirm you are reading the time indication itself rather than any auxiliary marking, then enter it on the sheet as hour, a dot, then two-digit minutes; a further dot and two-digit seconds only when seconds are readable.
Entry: 3.29
